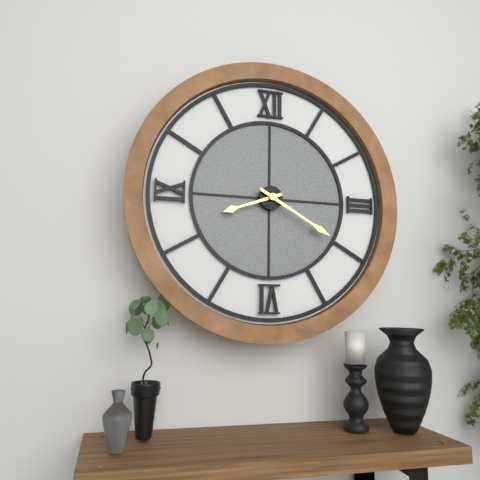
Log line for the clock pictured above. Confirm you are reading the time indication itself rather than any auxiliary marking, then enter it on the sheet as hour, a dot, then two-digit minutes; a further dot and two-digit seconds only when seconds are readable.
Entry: 8.20
